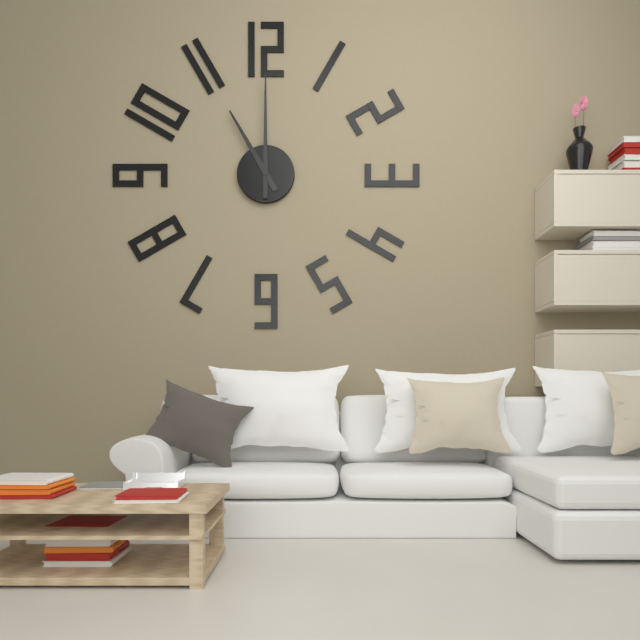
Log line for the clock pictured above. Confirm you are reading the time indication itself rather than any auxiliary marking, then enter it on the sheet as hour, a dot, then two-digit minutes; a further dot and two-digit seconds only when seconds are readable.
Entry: 11.00
